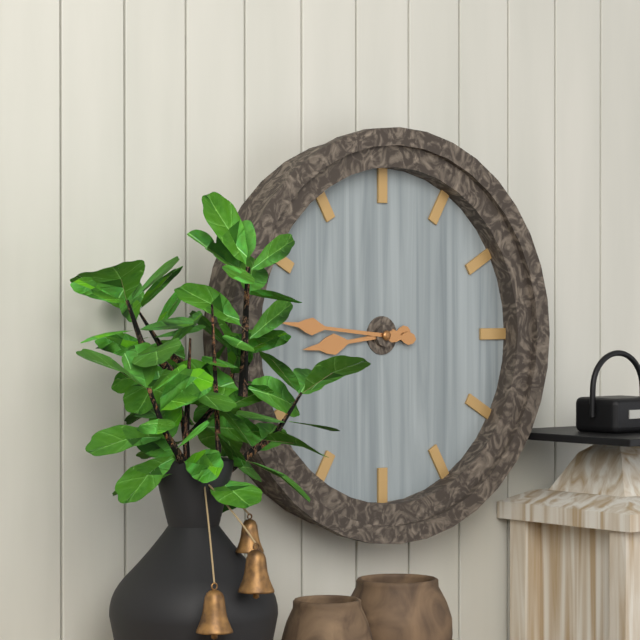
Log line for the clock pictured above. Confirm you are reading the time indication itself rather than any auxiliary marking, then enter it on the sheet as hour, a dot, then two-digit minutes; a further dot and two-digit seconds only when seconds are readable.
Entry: 8.46
